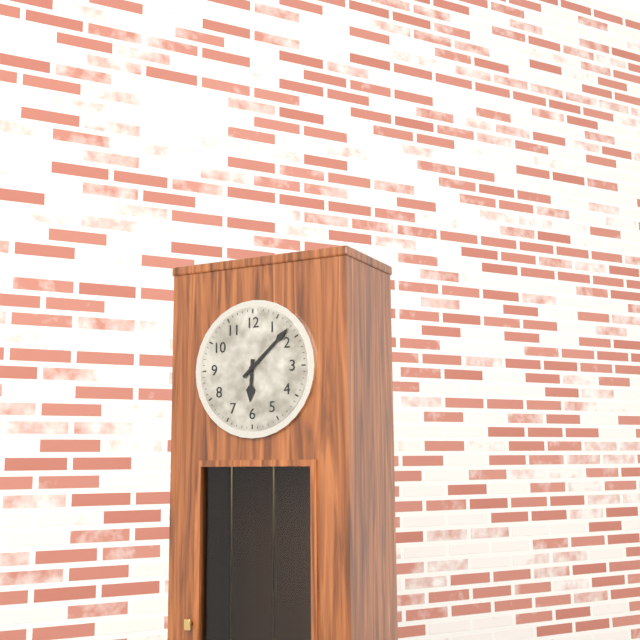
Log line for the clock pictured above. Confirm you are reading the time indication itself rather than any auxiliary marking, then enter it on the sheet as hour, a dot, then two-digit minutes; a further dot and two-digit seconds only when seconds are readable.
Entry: 6.08
